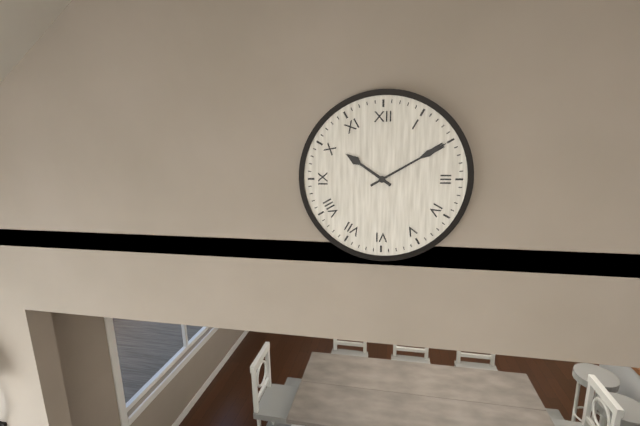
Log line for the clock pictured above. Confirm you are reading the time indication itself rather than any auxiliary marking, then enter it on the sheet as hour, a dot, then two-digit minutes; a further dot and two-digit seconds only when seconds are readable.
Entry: 10.10
